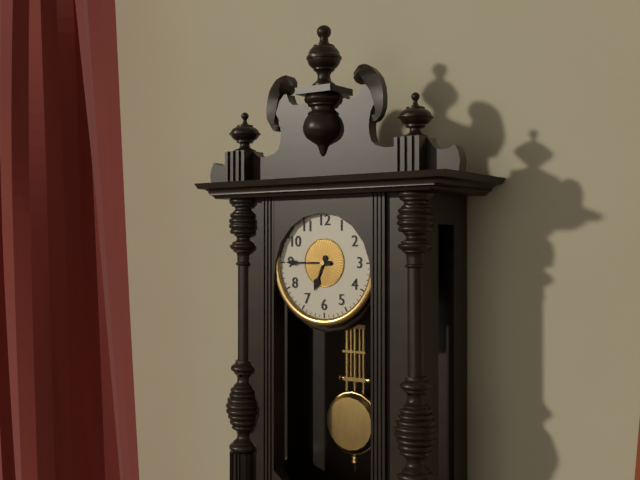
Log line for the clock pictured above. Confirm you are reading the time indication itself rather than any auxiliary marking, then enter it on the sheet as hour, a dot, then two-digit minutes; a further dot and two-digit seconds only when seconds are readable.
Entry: 6.45
